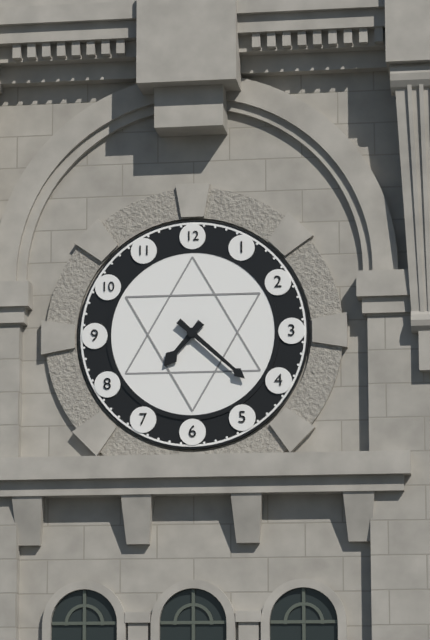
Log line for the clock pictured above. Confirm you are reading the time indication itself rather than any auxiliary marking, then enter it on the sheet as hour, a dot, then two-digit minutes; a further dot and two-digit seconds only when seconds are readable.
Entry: 7.22
